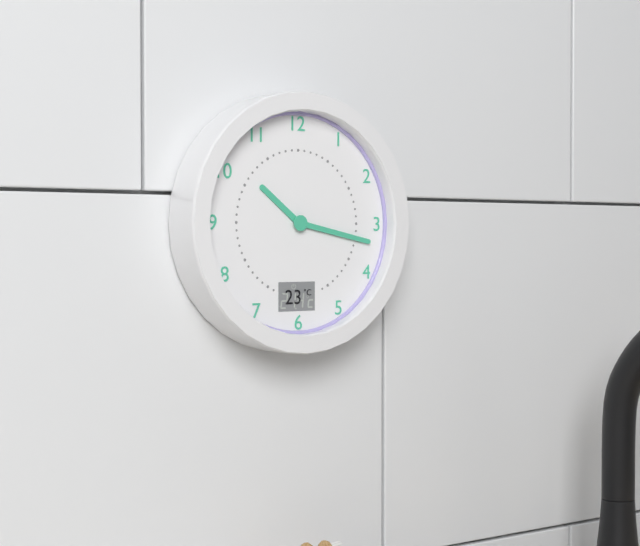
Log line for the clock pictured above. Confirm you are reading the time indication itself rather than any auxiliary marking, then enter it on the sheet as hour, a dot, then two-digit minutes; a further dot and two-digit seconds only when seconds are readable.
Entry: 10.17
